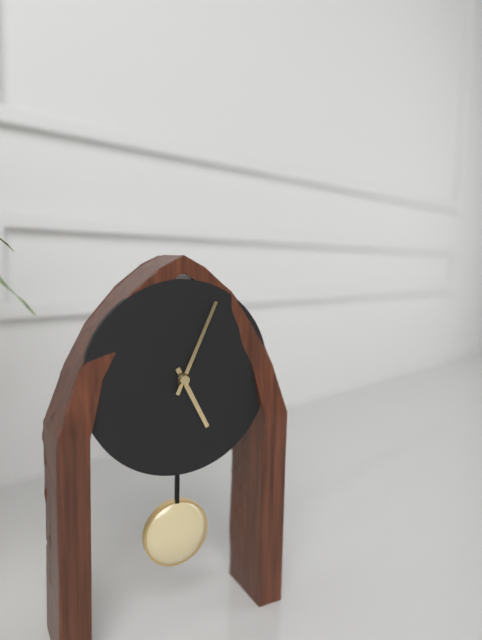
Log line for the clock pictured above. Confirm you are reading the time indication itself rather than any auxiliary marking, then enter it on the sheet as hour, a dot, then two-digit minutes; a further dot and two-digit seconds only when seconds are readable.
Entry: 5.04
